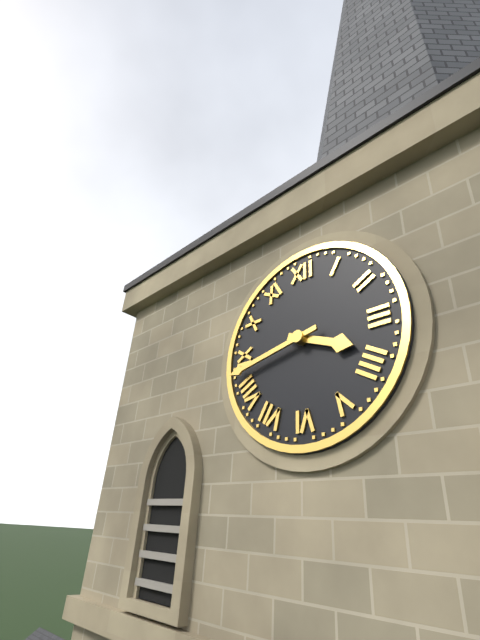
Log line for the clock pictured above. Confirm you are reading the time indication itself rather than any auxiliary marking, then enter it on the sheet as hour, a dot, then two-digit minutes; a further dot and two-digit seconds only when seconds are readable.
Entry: 3.43
